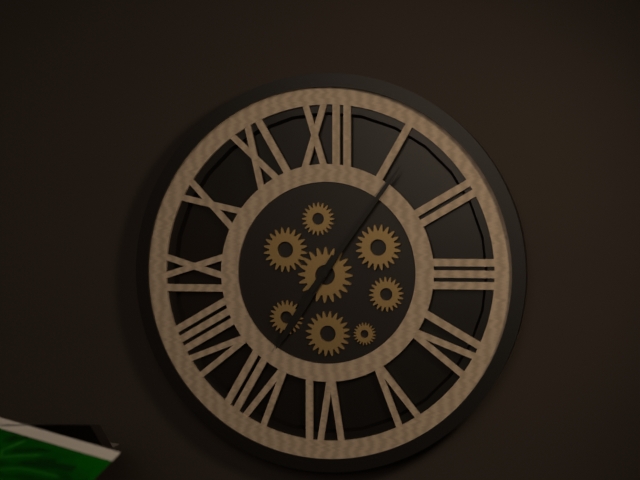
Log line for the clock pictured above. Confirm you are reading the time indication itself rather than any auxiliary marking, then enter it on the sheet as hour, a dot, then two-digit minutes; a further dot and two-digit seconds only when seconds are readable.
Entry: 7.06
